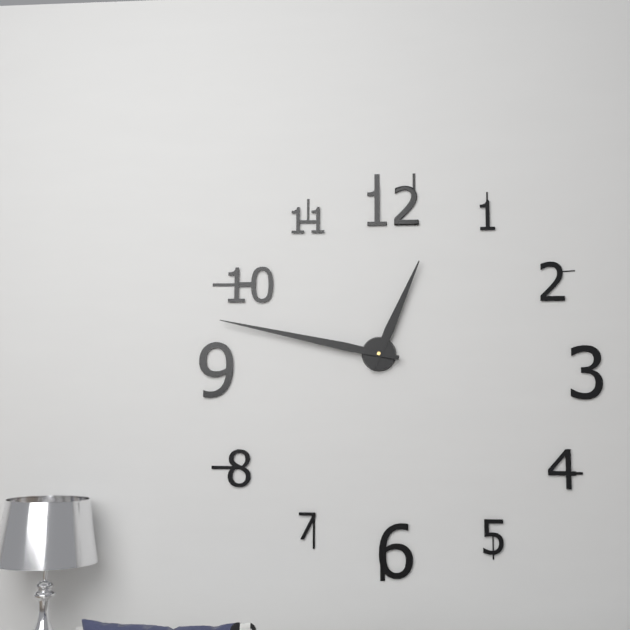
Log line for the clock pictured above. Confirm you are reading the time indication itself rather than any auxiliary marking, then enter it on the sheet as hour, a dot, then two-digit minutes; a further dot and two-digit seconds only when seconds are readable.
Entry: 12.47
